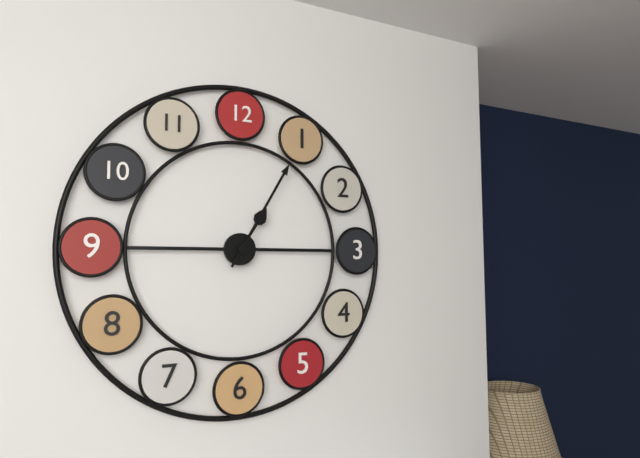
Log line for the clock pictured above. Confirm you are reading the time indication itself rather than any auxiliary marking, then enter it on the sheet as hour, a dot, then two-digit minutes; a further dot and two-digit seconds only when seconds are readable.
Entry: 1.05
